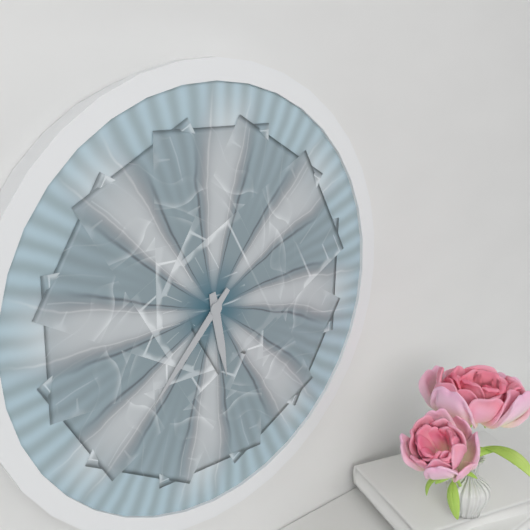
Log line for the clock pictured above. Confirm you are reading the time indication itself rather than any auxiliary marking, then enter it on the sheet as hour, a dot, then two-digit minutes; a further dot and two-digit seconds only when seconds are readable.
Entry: 5.37
